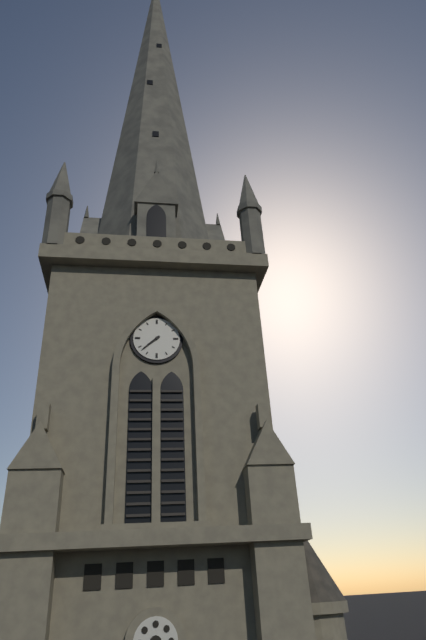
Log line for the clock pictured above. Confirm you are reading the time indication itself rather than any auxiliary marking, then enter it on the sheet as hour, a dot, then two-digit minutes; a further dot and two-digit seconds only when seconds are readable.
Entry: 7.38
